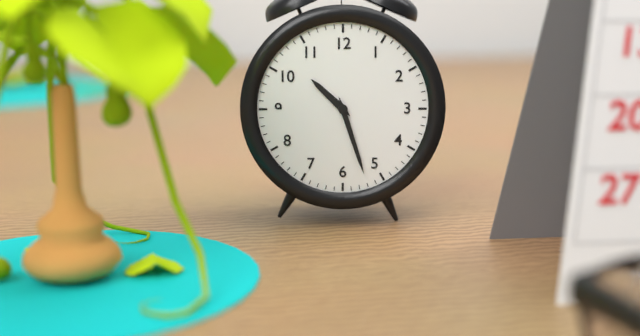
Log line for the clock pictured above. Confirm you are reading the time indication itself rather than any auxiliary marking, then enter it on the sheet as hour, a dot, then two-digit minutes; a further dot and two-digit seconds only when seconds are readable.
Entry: 10.27
